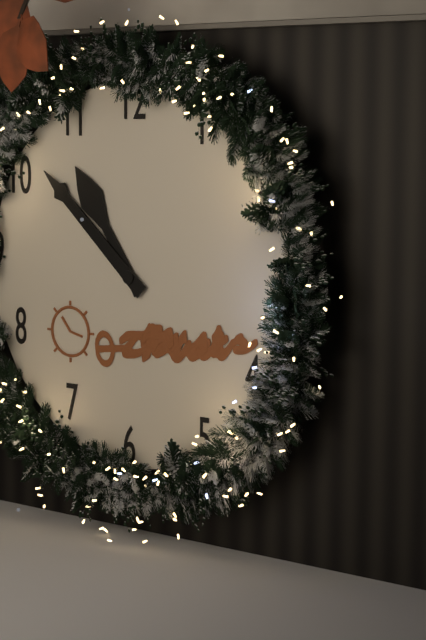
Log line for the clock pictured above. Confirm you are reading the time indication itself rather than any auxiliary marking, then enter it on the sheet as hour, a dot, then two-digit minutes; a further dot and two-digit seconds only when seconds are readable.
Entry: 10.52
